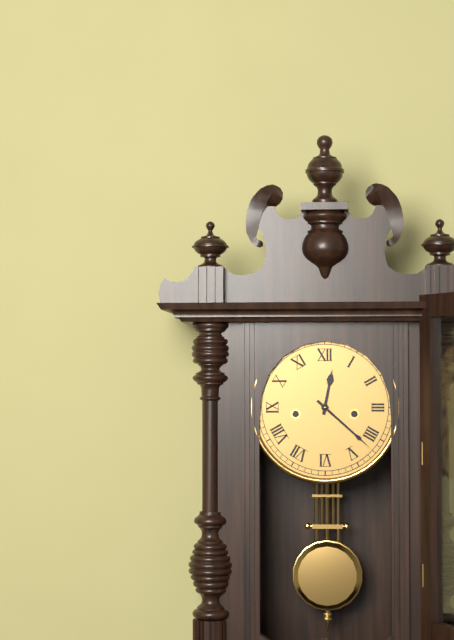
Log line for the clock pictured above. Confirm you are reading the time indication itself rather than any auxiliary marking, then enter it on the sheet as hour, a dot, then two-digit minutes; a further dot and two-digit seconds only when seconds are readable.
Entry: 12.22
